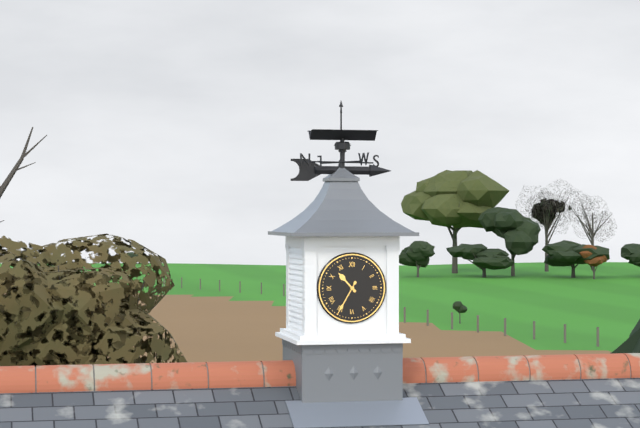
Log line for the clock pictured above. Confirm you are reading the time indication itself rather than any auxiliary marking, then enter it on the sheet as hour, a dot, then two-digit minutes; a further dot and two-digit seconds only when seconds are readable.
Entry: 10.35
